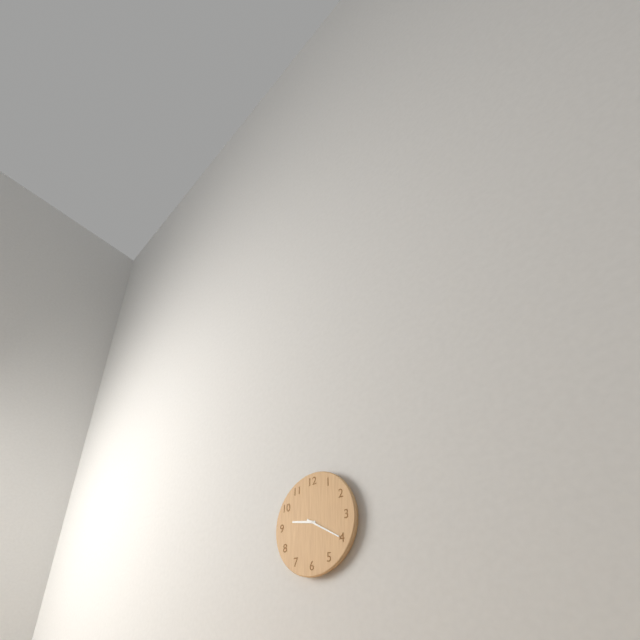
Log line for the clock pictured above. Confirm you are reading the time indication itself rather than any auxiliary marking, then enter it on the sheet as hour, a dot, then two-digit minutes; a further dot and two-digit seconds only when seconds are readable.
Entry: 9.20
